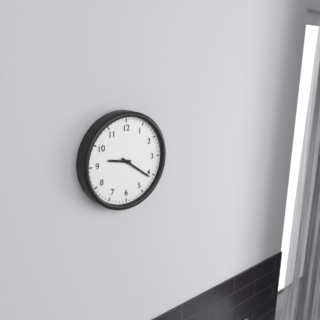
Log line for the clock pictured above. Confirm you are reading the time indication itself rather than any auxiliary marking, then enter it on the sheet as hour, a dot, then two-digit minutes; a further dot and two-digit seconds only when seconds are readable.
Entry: 9.21
